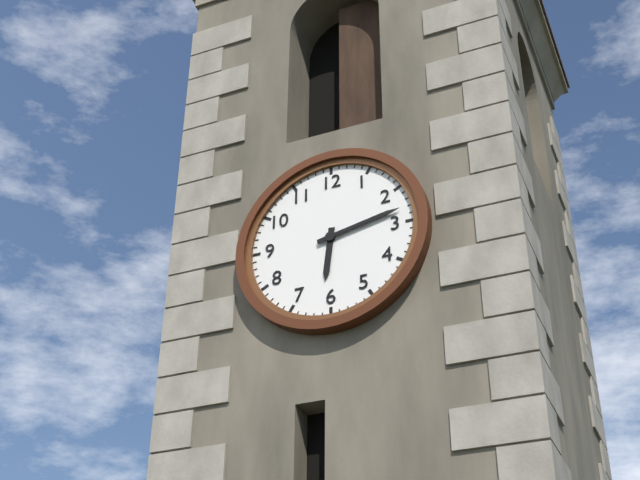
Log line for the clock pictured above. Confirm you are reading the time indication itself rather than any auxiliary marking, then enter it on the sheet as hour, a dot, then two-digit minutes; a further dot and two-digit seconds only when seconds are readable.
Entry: 6.13
